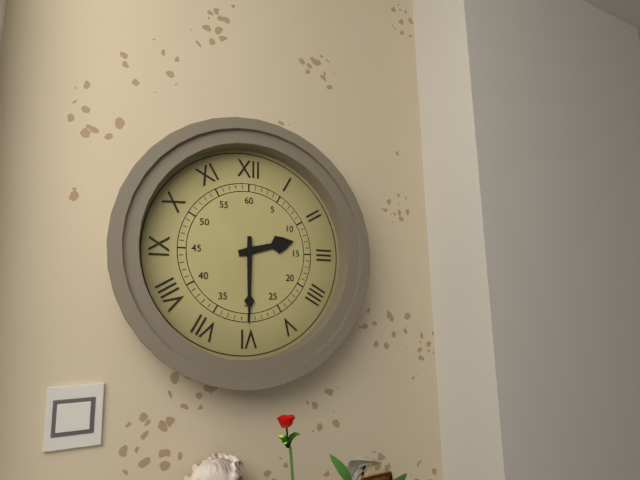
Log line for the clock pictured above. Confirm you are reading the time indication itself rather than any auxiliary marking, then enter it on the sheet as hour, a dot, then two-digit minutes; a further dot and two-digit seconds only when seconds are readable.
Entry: 2.30
